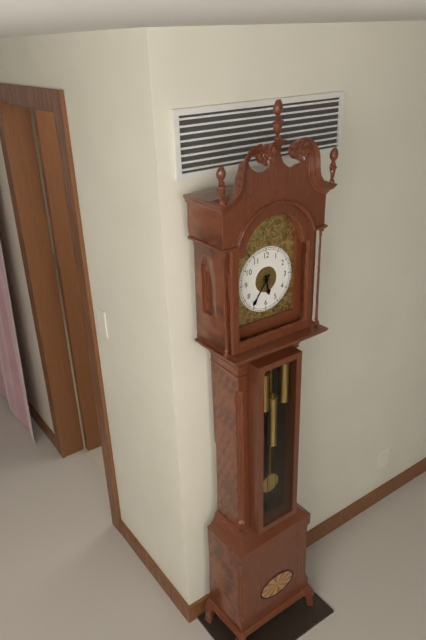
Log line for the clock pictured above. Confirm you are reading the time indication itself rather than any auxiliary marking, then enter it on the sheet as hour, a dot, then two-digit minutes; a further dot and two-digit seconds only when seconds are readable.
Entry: 5.36
